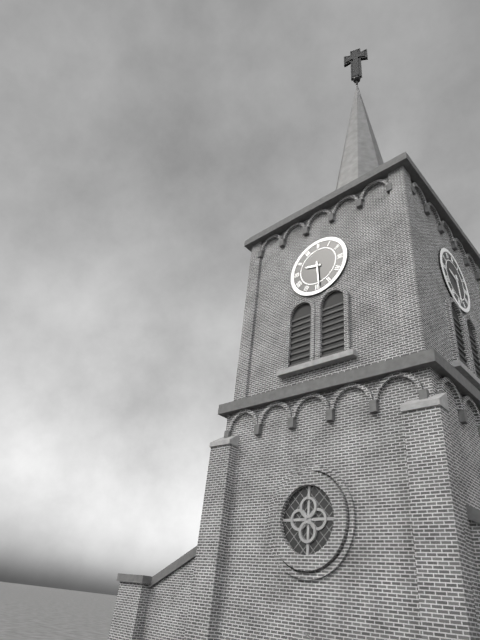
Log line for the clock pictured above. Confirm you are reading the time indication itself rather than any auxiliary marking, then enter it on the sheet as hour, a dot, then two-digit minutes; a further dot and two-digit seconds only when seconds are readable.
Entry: 9.29
